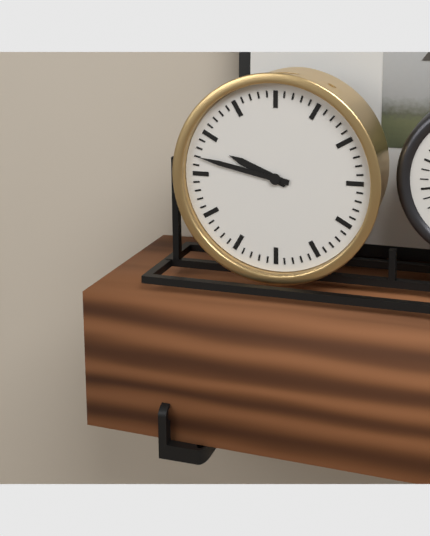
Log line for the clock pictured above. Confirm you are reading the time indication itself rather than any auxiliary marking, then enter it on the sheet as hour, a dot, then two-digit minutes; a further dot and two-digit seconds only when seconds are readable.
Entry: 9.47
